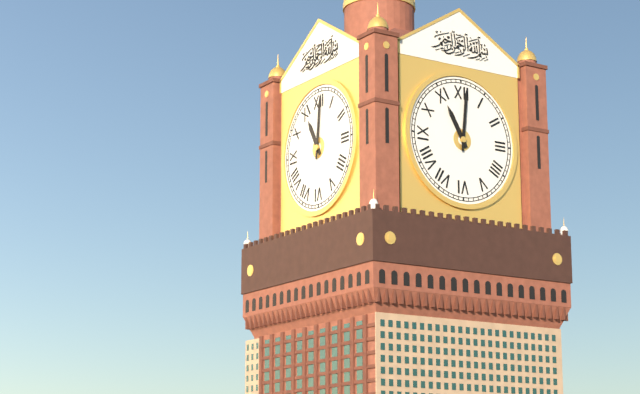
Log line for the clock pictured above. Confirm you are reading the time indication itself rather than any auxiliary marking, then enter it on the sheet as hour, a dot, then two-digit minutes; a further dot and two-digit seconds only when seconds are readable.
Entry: 11.01
